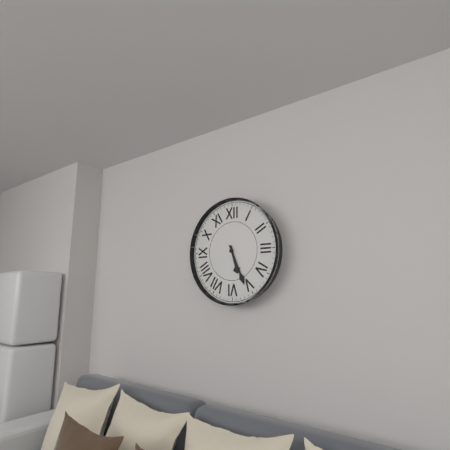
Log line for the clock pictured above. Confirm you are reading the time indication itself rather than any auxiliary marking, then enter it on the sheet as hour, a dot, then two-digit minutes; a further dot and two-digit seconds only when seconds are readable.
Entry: 5.26
